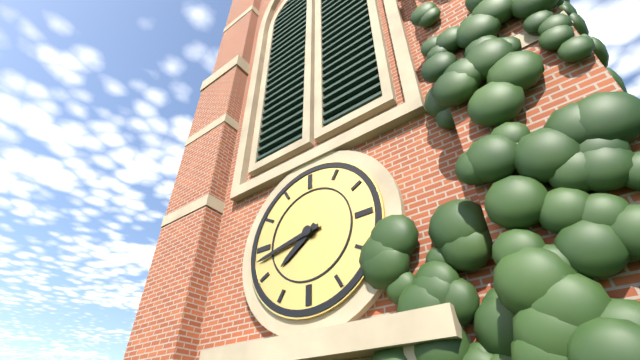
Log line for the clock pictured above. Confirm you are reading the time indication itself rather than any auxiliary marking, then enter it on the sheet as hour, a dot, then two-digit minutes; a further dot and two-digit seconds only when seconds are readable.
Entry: 7.43
